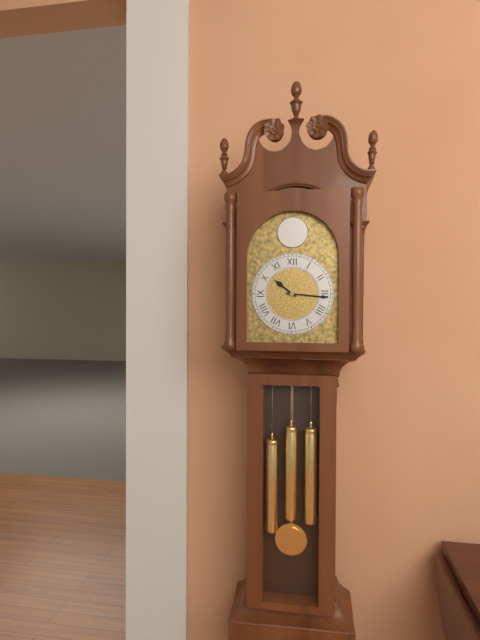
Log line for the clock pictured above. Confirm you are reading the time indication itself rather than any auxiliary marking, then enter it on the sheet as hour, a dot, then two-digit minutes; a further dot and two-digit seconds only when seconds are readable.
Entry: 10.16
